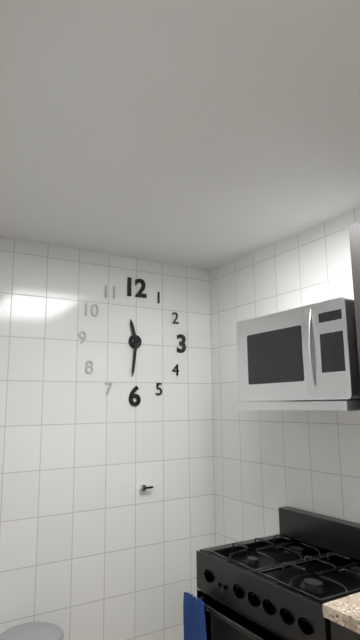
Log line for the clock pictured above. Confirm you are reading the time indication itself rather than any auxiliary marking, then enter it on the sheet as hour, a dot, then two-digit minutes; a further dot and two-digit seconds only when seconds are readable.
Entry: 11.31
